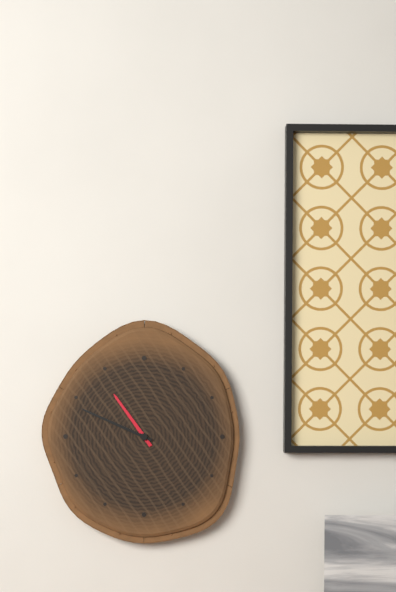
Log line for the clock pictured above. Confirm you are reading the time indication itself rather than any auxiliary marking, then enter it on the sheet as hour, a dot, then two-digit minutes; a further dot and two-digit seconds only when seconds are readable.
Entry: 10.49
